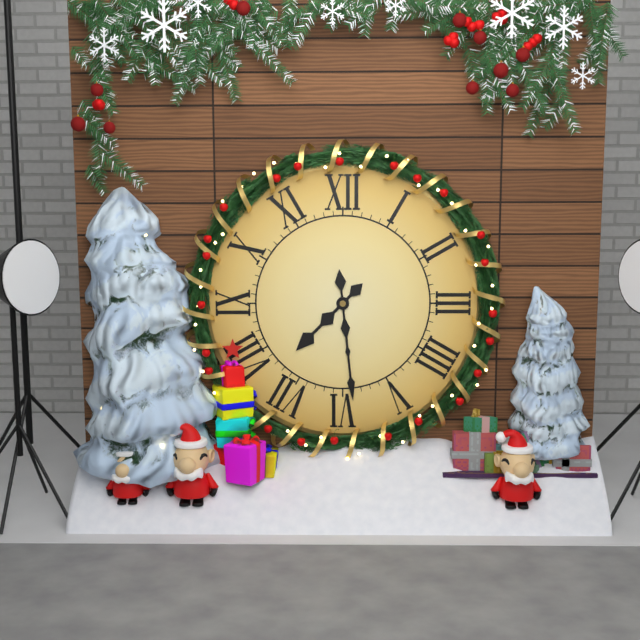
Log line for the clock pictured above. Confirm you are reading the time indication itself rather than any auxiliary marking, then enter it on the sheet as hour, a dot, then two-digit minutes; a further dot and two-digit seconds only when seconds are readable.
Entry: 7.29
